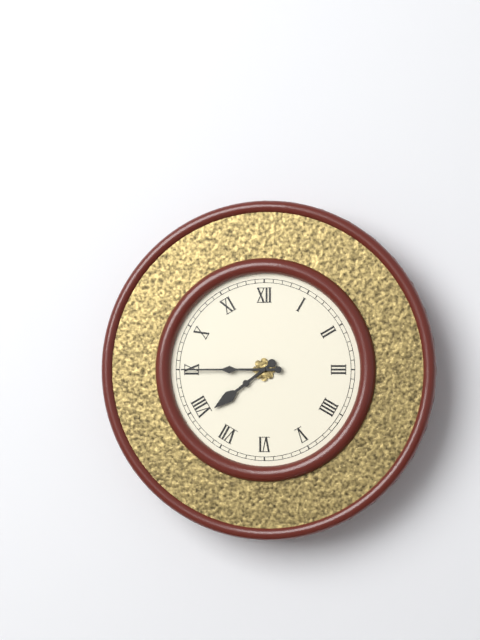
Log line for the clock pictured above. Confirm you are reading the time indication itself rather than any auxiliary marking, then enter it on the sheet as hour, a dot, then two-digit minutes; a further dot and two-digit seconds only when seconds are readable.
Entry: 7.45
